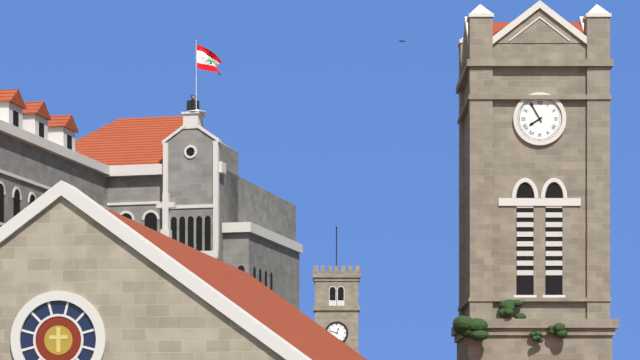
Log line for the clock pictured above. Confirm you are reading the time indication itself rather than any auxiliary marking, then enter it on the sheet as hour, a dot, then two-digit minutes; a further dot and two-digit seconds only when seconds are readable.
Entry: 7.55
